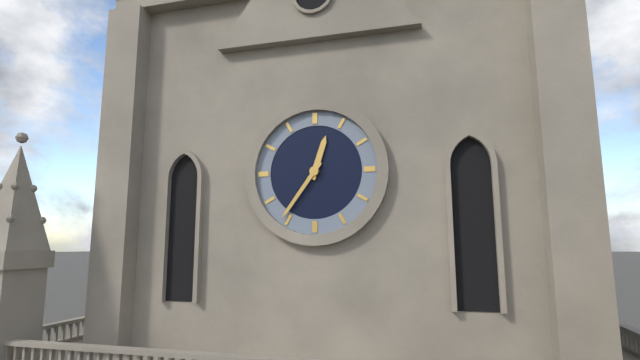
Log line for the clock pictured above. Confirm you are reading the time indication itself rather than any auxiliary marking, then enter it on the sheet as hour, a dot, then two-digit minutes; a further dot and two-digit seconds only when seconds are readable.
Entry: 12.36
